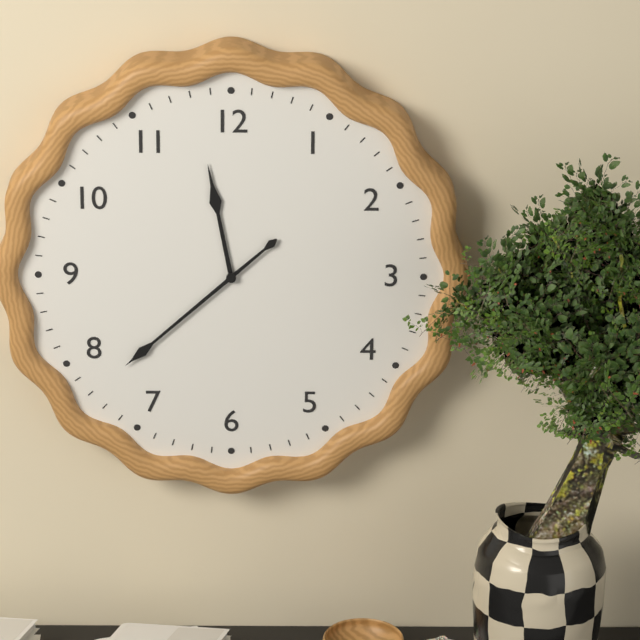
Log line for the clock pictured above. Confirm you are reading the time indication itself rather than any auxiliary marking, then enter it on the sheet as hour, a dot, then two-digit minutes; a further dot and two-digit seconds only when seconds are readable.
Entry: 11.38
